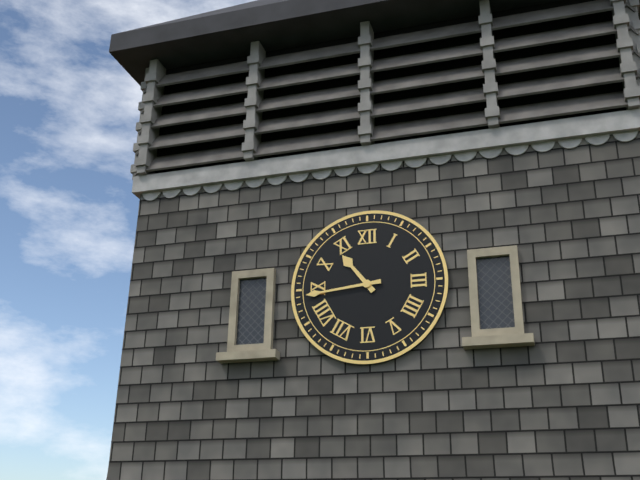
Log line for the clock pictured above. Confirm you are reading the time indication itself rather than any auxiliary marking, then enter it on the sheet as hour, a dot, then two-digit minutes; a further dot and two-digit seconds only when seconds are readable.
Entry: 10.44
